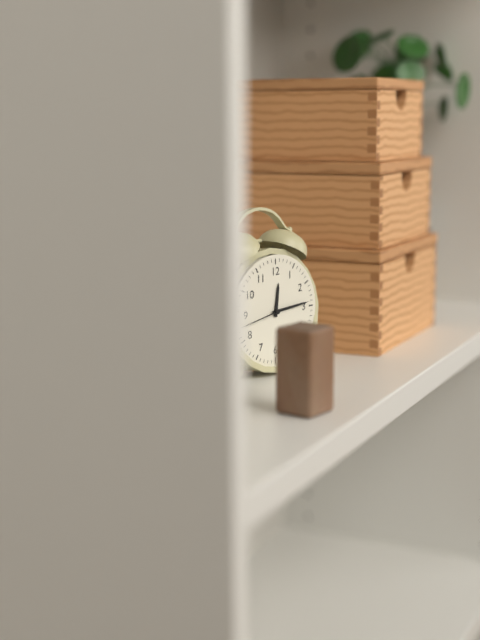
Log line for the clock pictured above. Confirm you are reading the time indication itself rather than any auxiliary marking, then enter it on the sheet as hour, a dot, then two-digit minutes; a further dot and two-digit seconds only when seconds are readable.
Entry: 12.14
